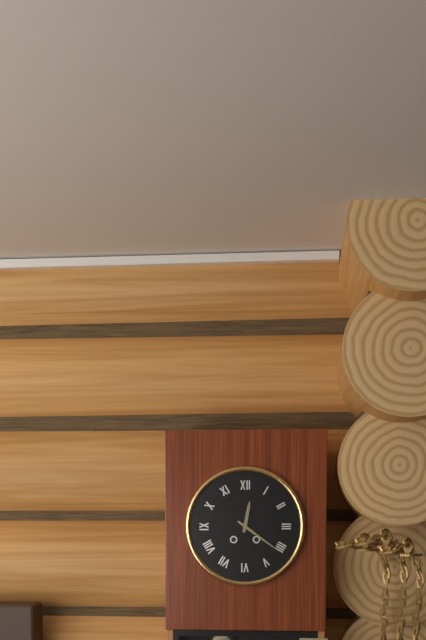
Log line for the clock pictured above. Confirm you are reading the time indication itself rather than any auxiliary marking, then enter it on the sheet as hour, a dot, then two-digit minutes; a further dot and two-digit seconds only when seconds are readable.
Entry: 12.21
